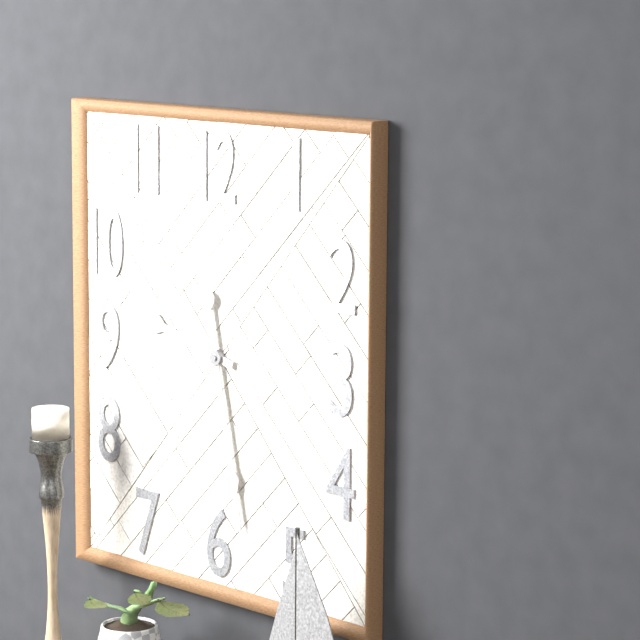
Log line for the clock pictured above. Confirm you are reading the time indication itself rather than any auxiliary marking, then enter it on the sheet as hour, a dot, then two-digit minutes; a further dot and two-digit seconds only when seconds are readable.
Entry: 9.28
